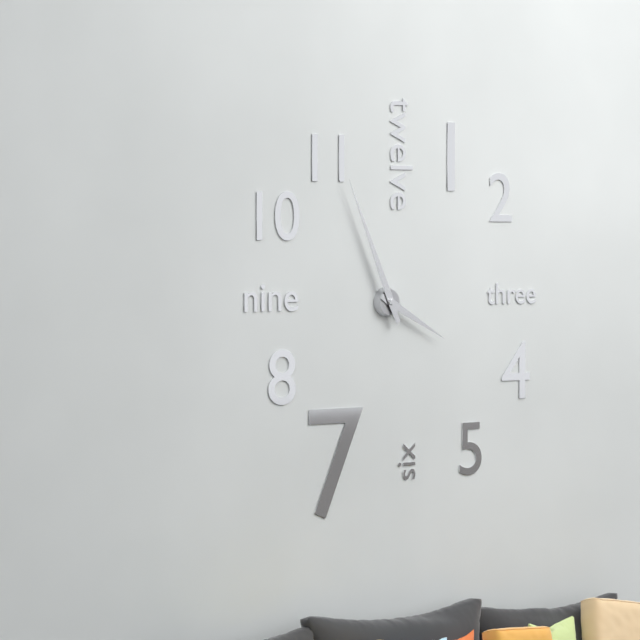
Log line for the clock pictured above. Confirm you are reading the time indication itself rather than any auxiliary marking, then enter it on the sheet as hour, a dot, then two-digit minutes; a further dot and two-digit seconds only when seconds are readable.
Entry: 3.56
